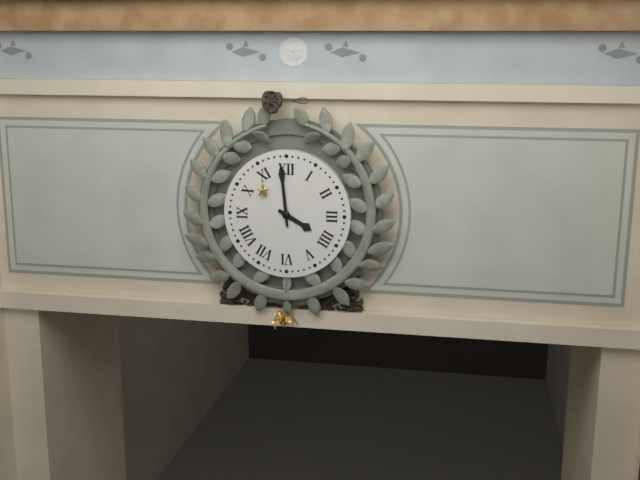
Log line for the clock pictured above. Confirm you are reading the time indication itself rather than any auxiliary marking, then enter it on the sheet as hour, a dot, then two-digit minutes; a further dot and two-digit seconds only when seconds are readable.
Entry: 3.59
